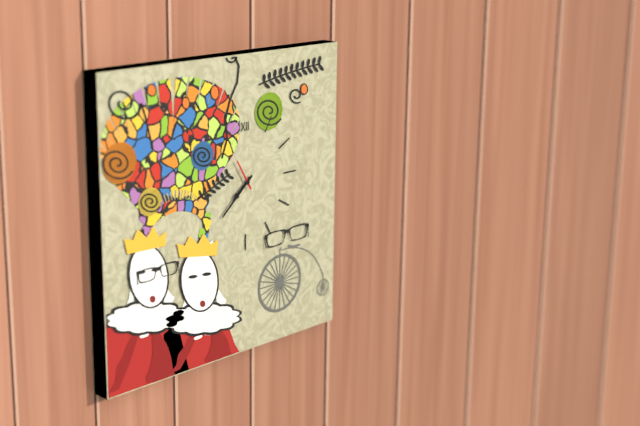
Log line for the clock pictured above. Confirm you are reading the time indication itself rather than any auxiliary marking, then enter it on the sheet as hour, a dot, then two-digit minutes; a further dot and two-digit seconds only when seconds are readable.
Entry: 7.38
